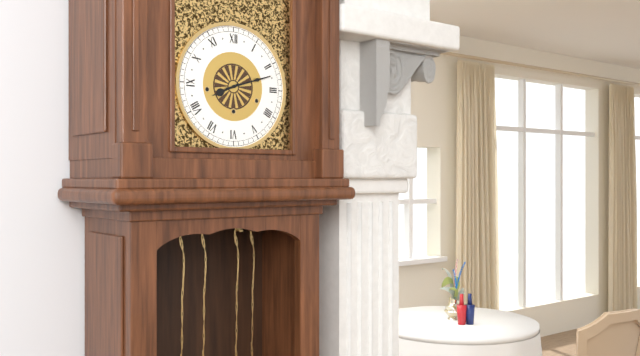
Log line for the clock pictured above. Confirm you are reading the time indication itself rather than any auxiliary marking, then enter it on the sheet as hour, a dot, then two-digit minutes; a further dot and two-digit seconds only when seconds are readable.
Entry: 8.12
